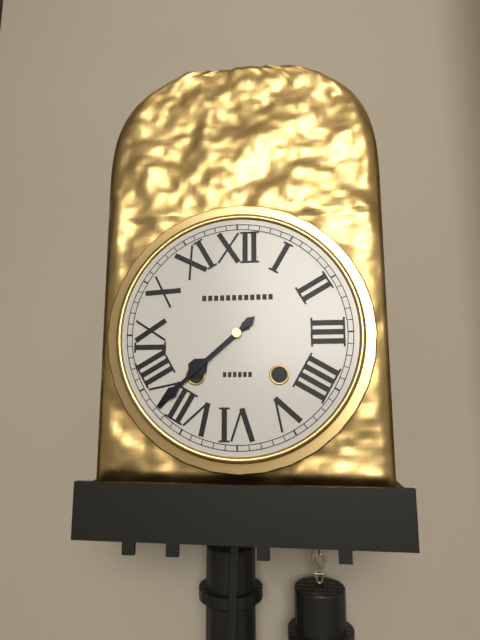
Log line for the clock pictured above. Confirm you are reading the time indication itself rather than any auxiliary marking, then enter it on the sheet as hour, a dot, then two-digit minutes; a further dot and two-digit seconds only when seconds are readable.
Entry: 7.38
